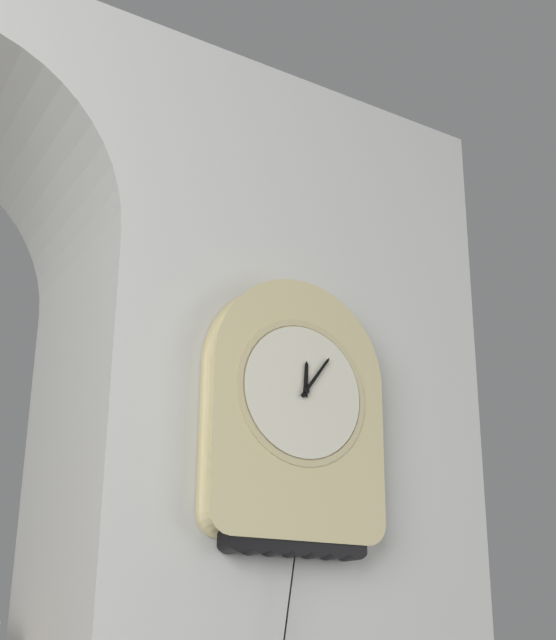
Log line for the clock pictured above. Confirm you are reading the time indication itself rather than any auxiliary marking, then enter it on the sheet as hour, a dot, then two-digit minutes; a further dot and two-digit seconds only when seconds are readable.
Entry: 12.06
